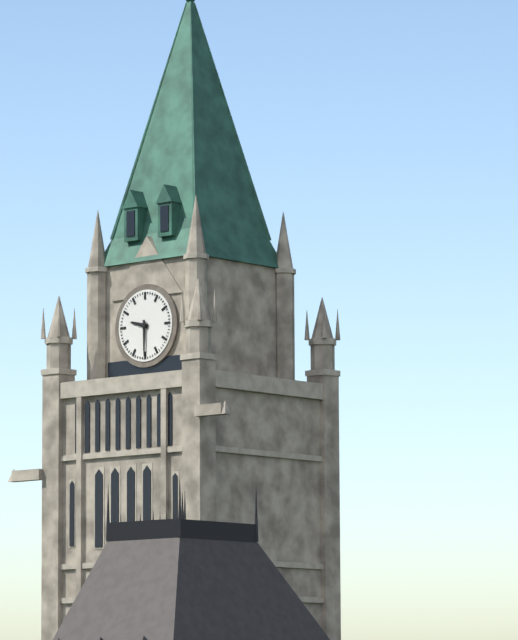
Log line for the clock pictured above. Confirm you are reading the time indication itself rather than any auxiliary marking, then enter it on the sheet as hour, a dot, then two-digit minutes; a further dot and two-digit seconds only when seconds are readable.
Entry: 9.30
